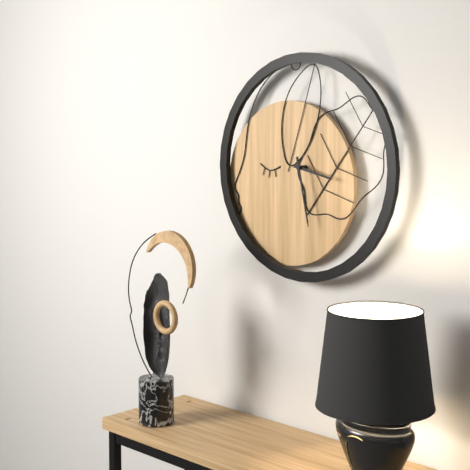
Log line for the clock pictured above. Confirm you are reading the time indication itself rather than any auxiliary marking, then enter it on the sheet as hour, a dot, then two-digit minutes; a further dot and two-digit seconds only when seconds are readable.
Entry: 3.28
